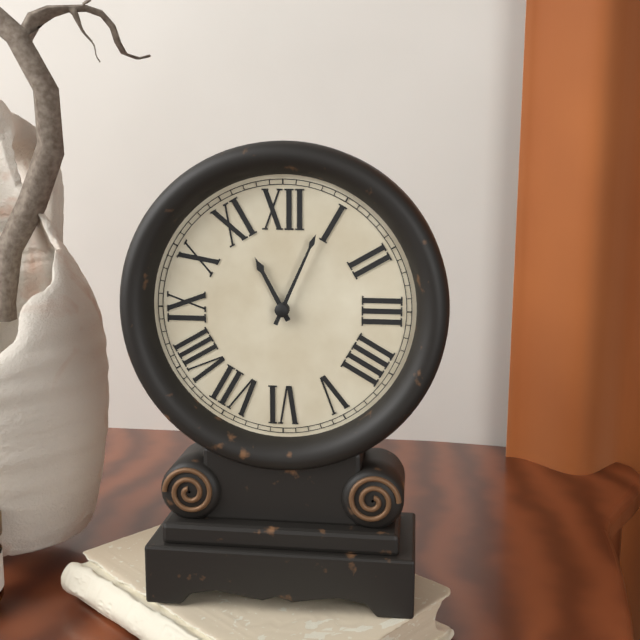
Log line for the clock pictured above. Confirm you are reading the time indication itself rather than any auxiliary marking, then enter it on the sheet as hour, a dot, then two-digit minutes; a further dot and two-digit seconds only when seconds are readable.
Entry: 11.04
